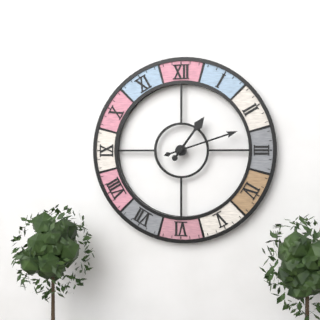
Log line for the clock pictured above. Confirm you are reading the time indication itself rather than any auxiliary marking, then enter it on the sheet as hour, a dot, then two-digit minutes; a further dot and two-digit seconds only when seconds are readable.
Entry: 1.12
